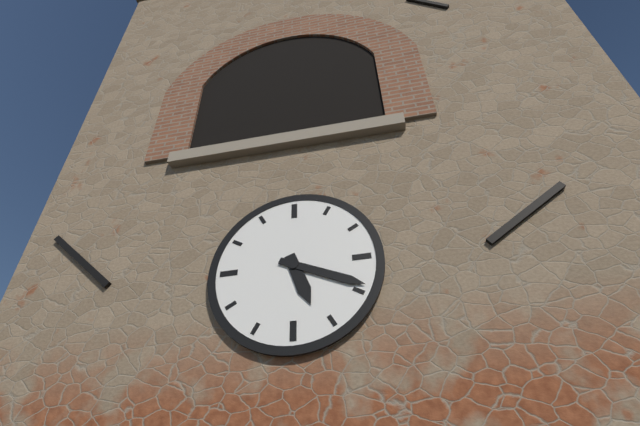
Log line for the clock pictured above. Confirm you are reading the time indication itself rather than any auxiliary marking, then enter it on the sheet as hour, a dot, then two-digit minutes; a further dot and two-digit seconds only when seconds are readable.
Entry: 5.19
